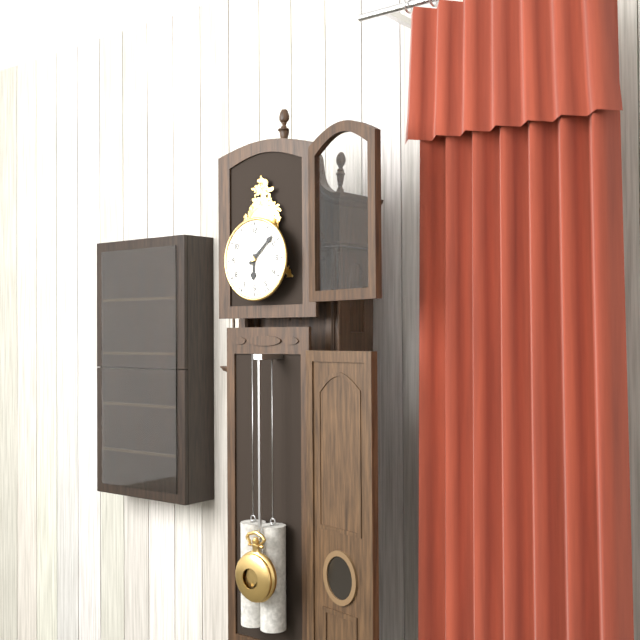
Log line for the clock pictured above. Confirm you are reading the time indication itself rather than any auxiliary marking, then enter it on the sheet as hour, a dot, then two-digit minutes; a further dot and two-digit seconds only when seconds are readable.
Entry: 6.08
